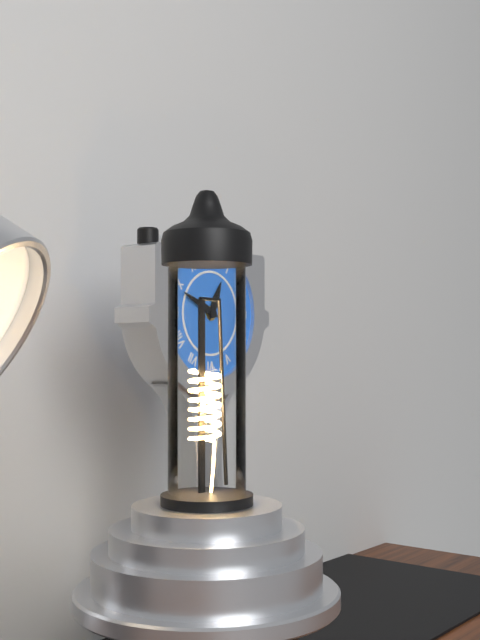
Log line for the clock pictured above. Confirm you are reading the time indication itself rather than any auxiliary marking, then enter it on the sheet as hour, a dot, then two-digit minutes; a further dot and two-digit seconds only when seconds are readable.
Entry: 12.49
